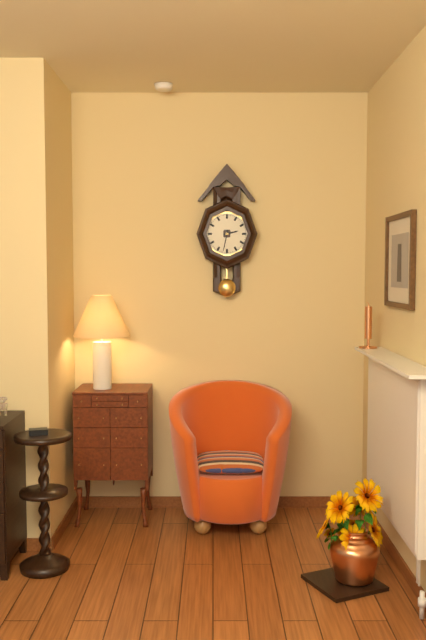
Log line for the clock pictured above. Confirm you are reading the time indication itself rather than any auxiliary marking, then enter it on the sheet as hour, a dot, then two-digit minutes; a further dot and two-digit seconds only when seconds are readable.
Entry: 2.32
